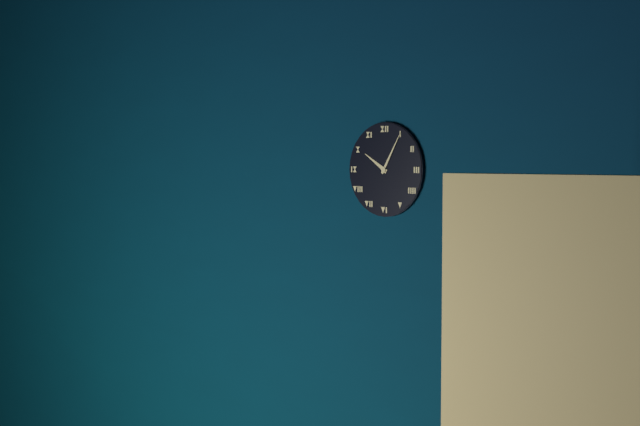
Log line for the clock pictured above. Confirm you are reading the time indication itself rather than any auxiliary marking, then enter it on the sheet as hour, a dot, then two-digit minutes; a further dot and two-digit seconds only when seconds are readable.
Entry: 10.05
